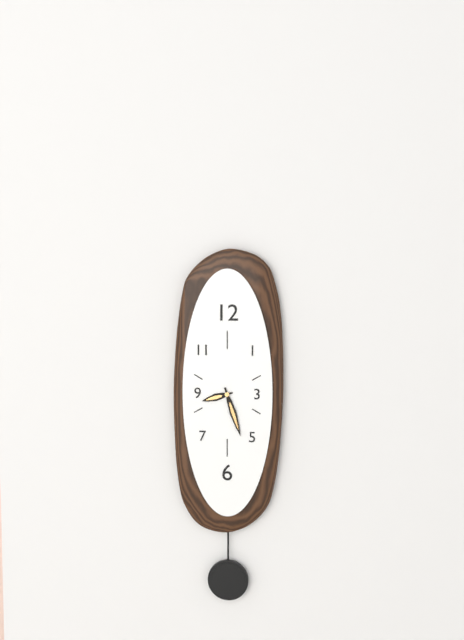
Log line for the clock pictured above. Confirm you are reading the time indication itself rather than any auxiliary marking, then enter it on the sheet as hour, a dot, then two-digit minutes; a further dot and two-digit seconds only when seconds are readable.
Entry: 8.27
